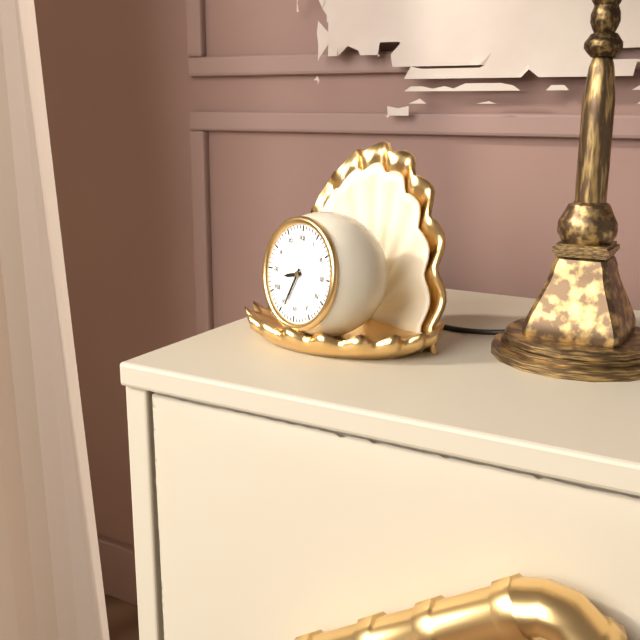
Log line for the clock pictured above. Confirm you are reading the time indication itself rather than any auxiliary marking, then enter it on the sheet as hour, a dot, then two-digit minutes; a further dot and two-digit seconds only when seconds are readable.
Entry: 8.34
